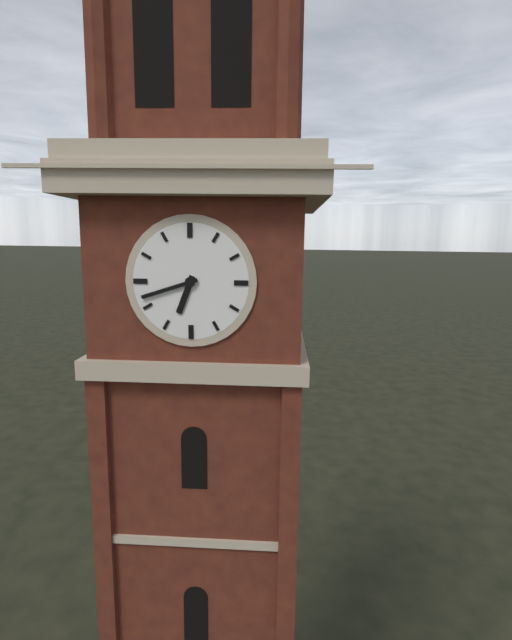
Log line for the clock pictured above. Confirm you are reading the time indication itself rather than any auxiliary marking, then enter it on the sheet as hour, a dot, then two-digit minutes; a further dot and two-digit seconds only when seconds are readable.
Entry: 6.42
